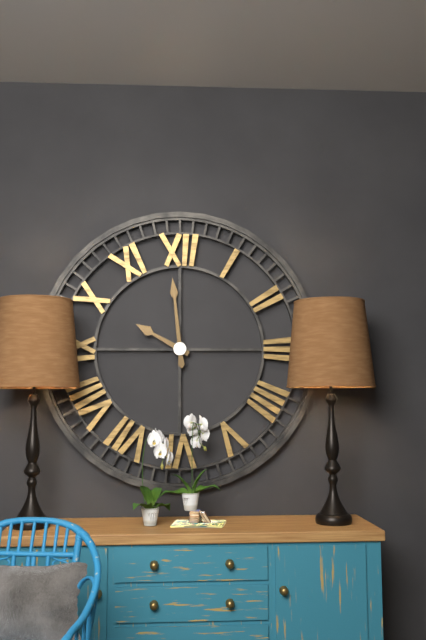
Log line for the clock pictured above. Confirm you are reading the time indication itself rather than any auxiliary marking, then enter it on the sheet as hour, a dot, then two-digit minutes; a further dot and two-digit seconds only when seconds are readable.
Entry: 9.59
